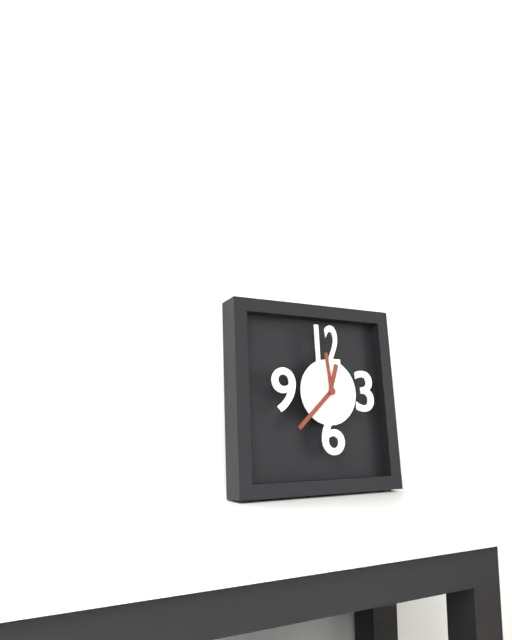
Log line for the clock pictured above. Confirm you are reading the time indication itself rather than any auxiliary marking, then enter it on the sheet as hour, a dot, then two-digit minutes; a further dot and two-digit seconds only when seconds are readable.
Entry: 12.38
